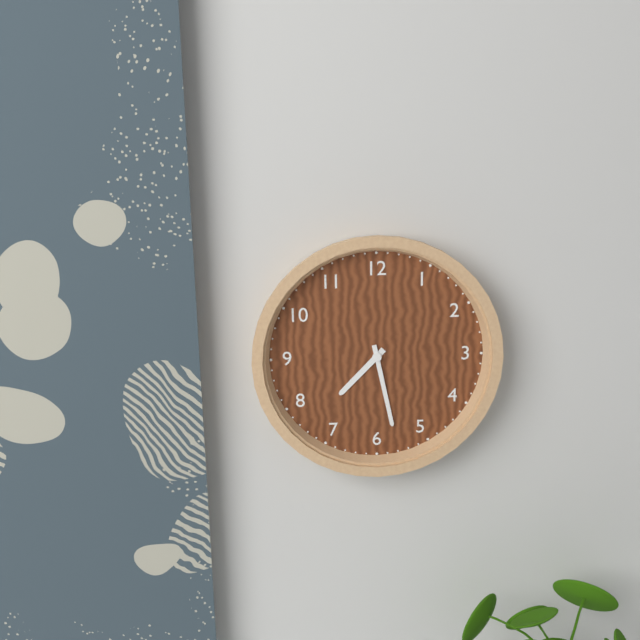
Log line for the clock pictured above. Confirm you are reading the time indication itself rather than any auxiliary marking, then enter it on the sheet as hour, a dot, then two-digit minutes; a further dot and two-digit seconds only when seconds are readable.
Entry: 7.28
